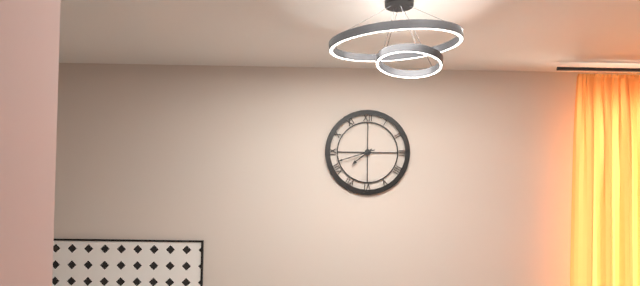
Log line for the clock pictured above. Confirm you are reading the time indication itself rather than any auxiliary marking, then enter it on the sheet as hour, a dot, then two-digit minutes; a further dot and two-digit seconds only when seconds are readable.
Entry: 7.42
